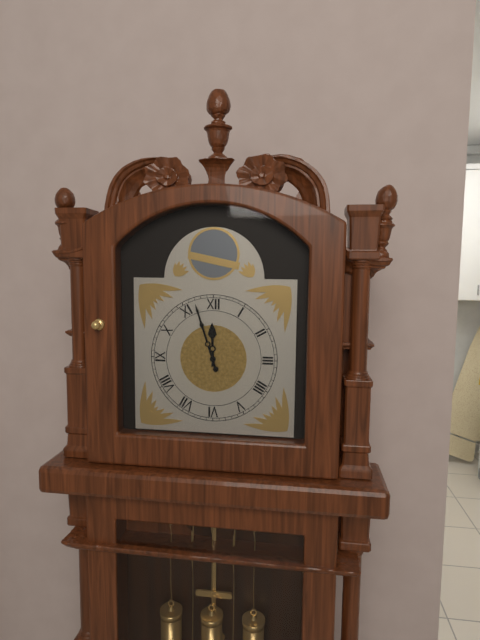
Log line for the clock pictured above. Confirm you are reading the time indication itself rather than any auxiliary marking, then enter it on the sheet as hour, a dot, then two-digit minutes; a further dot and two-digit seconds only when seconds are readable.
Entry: 11.57
